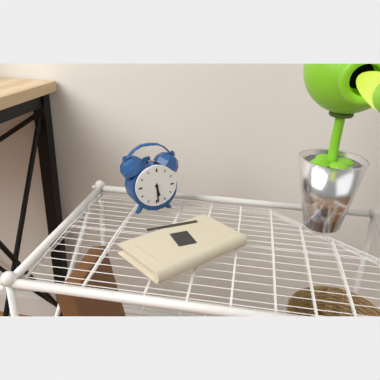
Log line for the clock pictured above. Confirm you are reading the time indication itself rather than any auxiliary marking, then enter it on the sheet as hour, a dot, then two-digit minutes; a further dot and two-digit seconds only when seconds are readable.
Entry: 5.29
